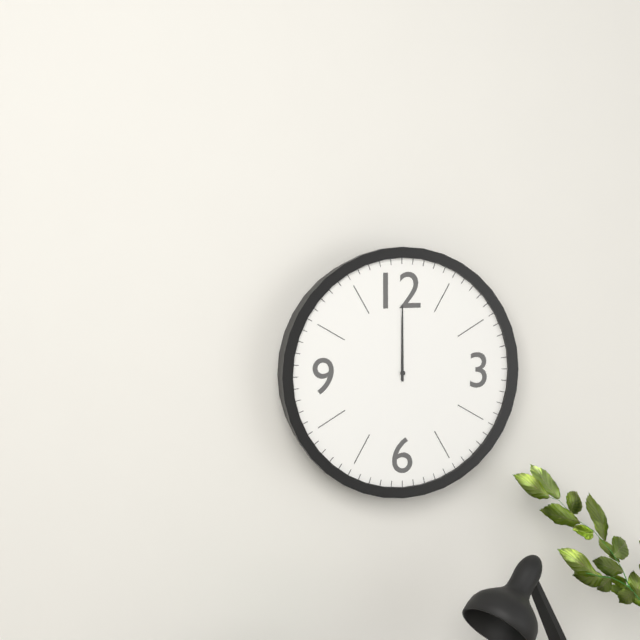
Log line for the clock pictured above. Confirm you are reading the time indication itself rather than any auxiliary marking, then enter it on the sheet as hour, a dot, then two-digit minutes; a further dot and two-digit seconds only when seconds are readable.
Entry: 12.00
